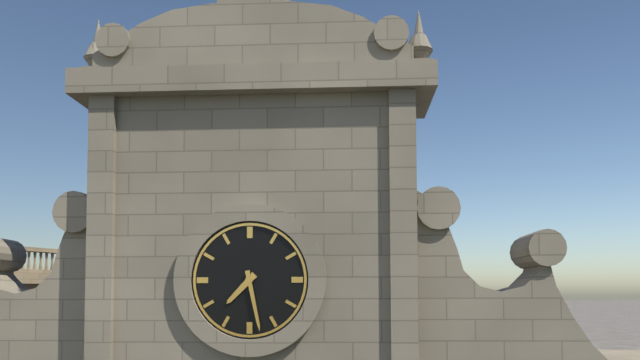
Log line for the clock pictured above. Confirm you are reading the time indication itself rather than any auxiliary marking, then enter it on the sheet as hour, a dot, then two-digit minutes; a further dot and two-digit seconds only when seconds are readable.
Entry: 7.28
